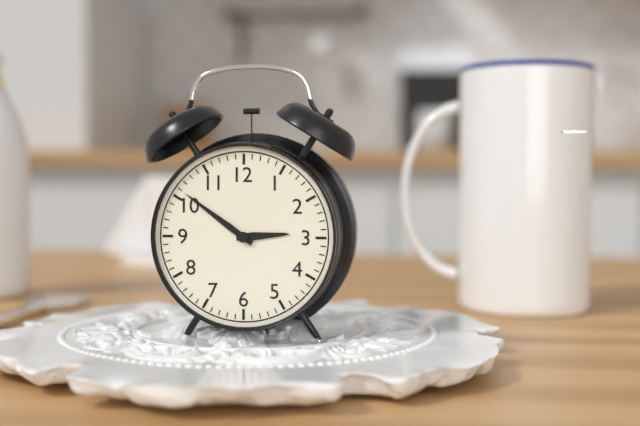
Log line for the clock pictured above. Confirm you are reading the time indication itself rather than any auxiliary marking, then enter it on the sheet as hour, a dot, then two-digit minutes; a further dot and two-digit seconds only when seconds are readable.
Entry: 2.51
